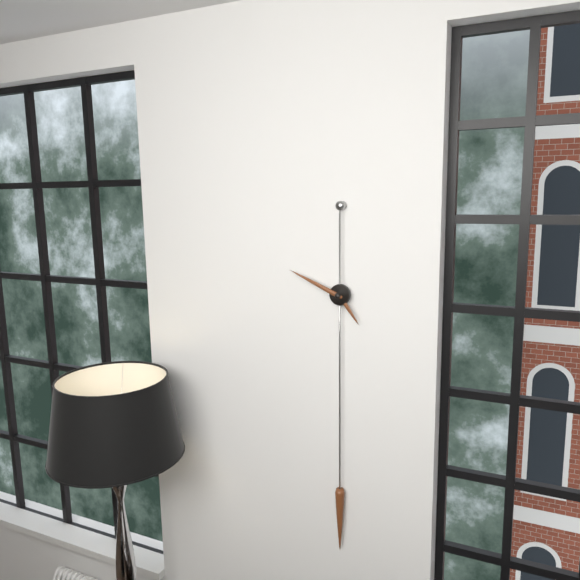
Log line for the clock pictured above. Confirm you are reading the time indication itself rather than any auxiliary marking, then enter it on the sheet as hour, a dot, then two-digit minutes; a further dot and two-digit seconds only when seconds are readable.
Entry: 4.49
